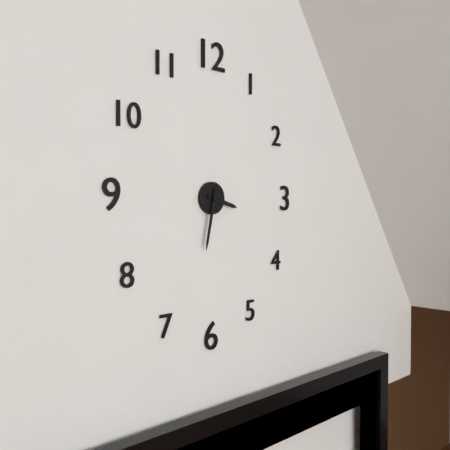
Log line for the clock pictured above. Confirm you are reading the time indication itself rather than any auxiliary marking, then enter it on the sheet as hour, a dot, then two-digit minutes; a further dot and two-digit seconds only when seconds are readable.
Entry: 3.32
